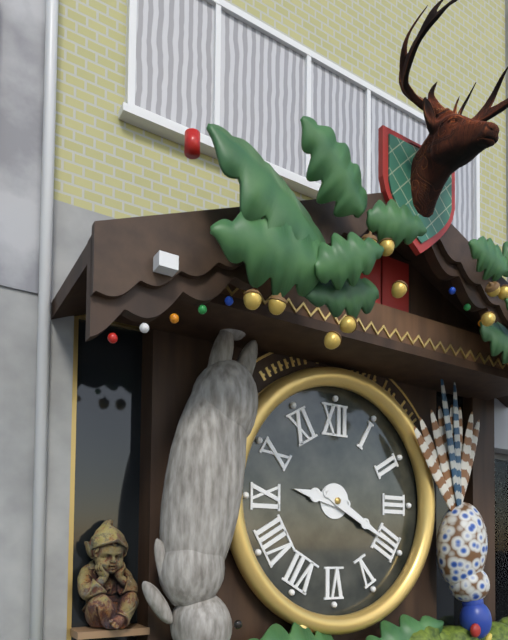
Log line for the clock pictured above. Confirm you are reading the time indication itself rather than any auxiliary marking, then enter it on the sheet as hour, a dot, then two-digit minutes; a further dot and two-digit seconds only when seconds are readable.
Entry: 9.20
